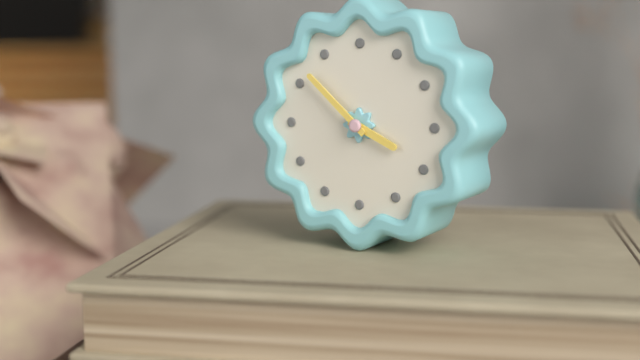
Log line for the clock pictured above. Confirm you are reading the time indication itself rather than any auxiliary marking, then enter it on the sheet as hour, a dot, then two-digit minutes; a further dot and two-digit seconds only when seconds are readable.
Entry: 3.52
